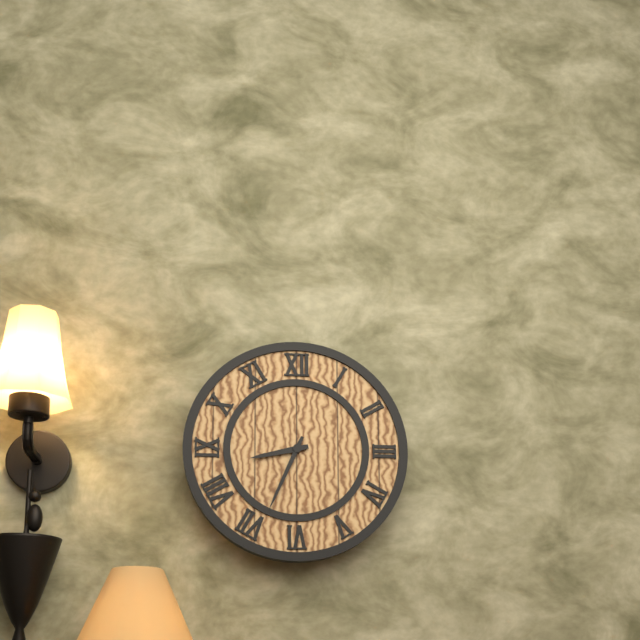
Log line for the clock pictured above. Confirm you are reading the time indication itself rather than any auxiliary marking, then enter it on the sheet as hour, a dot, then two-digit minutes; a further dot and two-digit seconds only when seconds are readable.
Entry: 8.34
